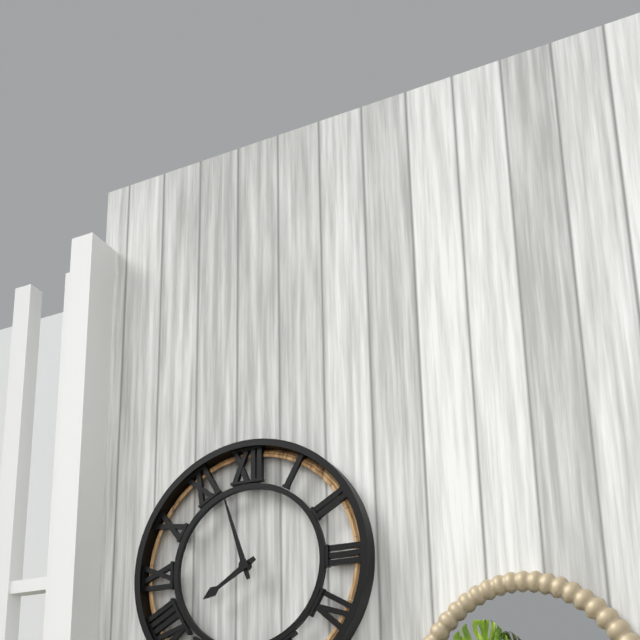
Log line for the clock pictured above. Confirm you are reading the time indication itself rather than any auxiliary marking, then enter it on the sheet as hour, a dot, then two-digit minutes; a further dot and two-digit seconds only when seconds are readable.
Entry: 7.57
